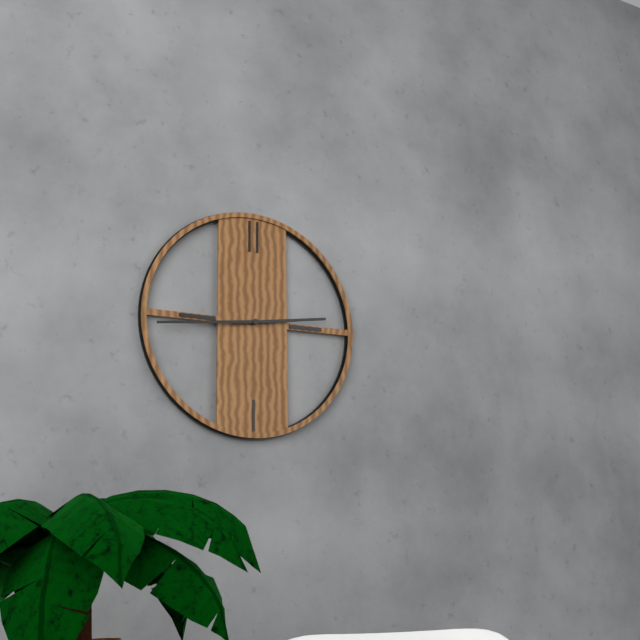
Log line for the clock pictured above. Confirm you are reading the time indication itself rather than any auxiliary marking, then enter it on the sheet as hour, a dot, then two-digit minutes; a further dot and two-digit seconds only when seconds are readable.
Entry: 2.44
